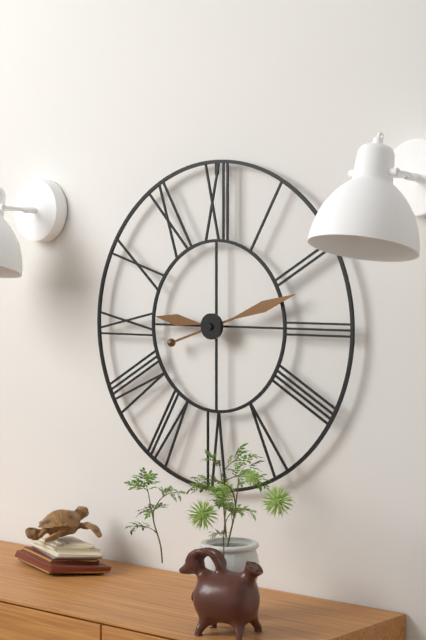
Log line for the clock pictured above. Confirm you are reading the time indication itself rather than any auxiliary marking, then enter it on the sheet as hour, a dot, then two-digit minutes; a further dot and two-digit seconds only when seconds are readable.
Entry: 9.12
